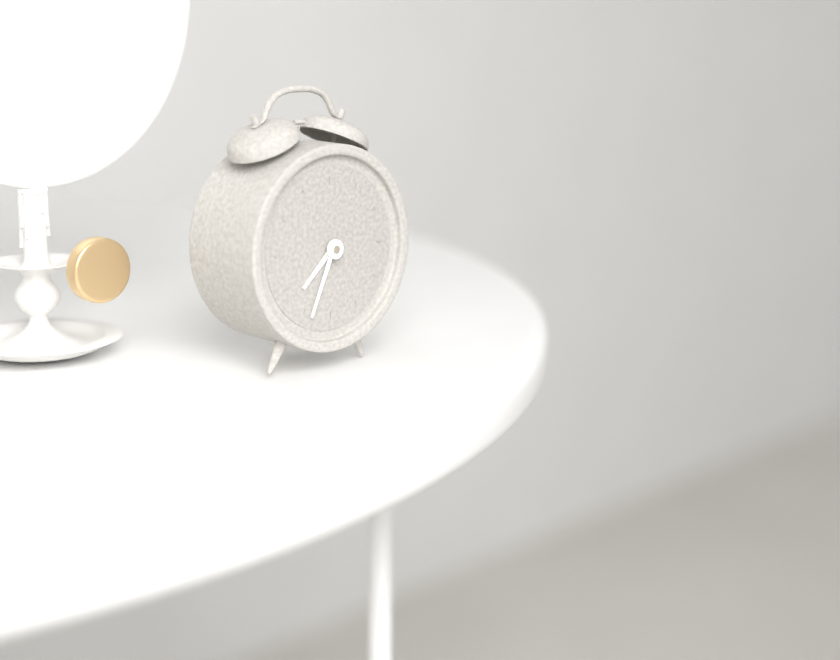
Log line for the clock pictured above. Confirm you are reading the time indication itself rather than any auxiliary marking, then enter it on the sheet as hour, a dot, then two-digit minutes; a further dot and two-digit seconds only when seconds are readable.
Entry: 7.34
